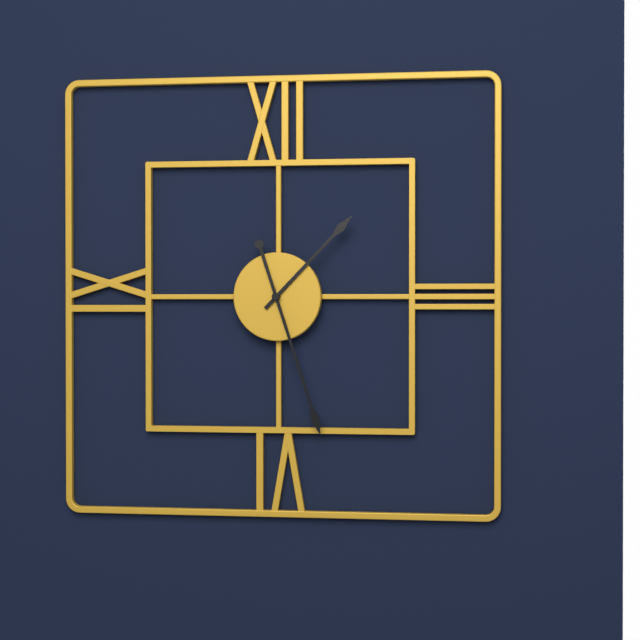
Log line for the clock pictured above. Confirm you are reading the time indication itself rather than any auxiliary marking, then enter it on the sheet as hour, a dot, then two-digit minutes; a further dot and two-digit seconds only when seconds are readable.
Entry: 1.27
